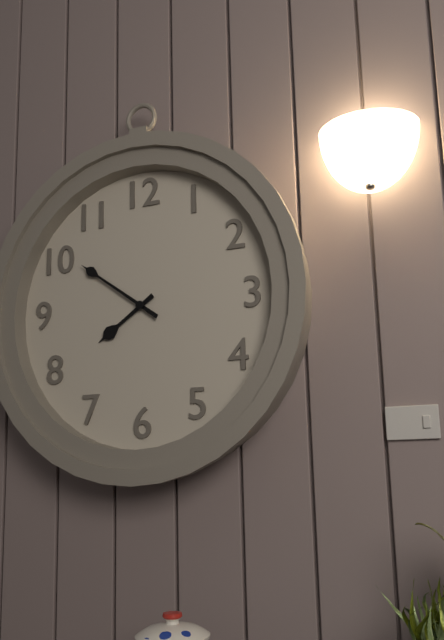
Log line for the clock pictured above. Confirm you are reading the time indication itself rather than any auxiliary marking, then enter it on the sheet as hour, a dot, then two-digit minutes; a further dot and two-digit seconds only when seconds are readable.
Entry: 7.51
